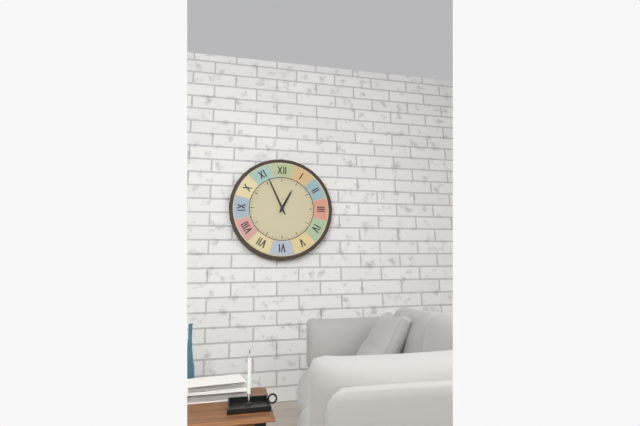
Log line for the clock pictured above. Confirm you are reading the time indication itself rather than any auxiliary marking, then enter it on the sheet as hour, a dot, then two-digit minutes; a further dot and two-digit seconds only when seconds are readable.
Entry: 12.56
